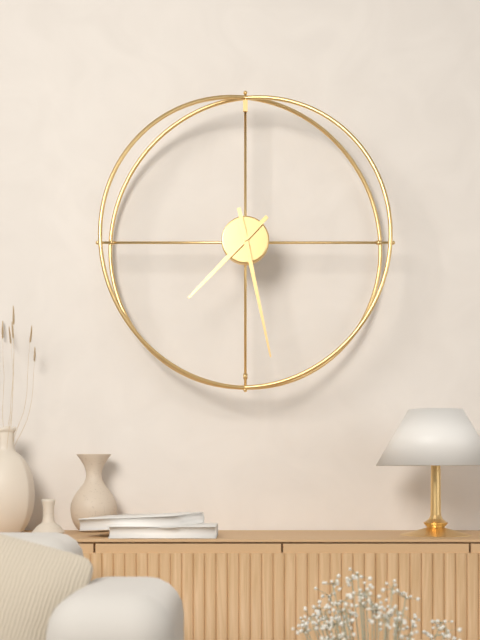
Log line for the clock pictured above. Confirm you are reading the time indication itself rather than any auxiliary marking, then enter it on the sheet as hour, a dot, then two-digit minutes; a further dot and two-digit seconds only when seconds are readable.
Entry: 7.28
